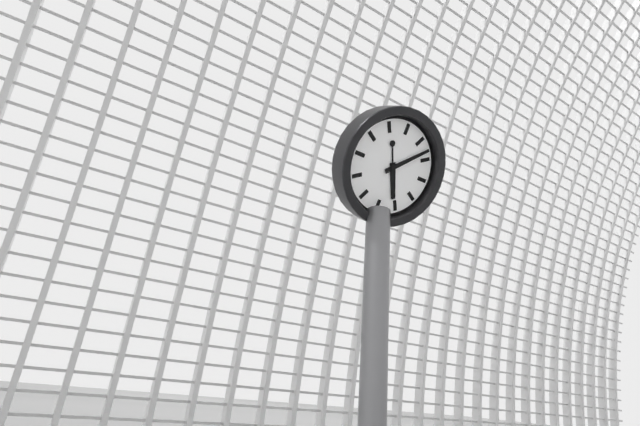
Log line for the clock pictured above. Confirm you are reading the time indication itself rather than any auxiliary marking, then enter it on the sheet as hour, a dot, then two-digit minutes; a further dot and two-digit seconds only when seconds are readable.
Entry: 5.08
